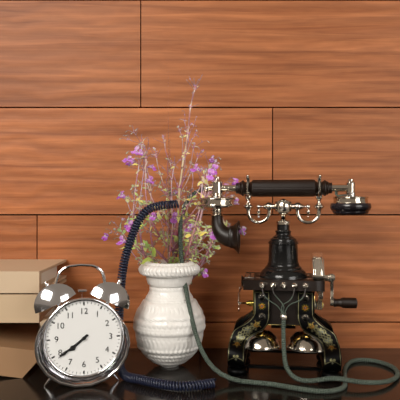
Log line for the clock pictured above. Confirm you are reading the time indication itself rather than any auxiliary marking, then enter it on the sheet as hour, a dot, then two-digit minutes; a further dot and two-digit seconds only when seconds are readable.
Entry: 7.39
